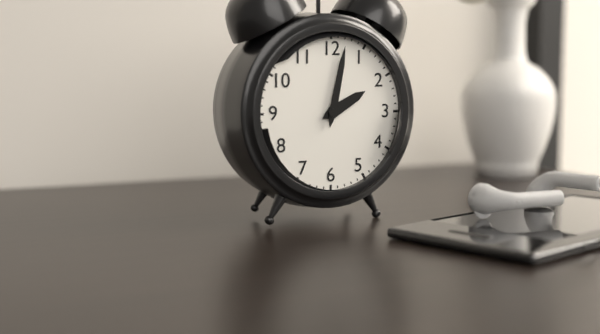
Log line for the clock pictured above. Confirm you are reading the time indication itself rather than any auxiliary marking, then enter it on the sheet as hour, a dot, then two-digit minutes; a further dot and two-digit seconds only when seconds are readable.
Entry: 2.02
